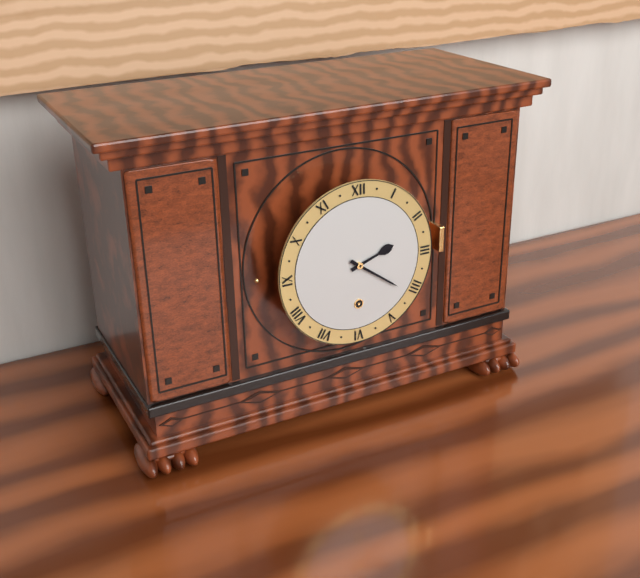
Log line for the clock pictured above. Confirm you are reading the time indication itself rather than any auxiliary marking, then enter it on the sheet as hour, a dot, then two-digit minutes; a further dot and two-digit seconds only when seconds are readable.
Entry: 2.21
